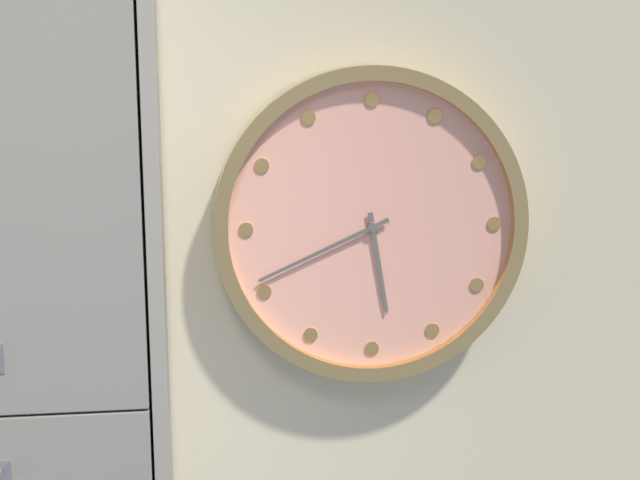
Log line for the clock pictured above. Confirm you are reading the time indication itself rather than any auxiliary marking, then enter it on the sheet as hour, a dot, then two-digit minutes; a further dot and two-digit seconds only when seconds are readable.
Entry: 5.41
